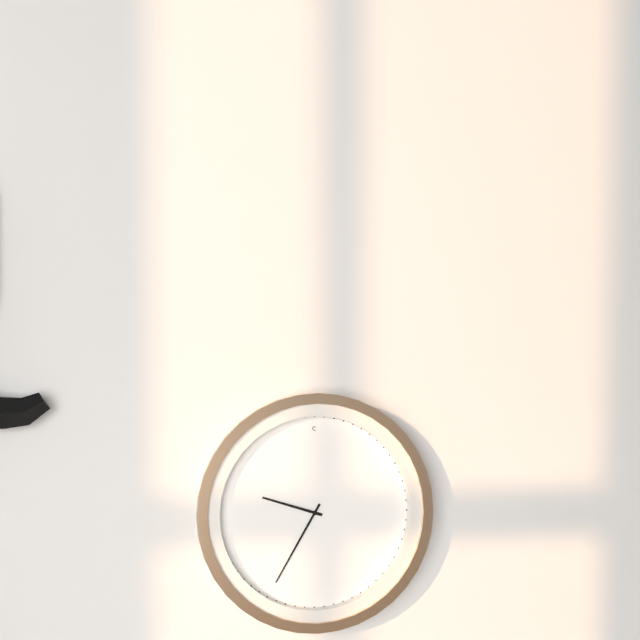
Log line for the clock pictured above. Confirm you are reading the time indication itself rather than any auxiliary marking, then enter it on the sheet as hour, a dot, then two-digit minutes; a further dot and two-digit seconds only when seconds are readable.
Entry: 9.35
